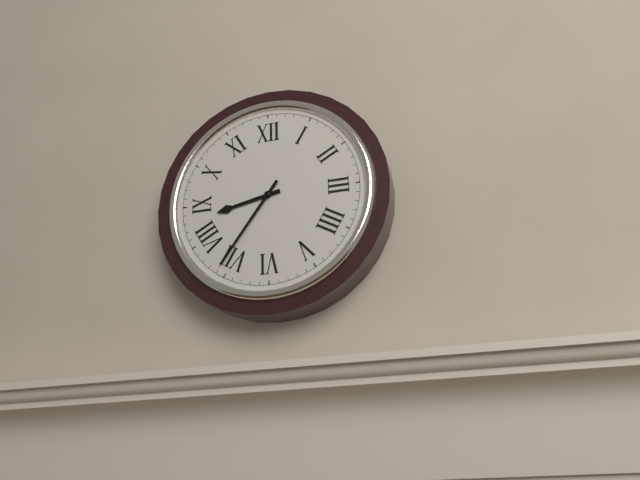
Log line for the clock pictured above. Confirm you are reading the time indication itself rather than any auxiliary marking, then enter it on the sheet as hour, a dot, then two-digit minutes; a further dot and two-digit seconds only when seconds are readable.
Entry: 8.36
